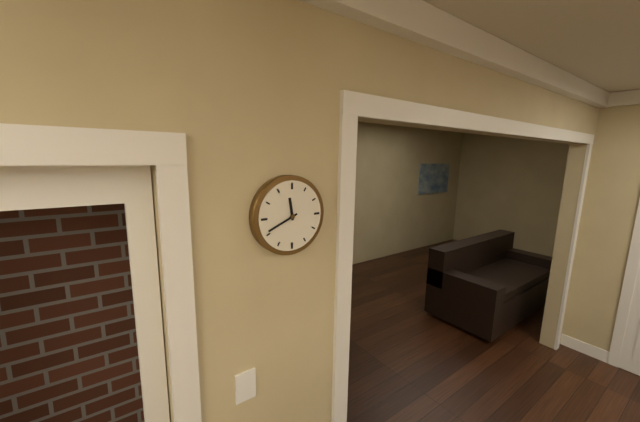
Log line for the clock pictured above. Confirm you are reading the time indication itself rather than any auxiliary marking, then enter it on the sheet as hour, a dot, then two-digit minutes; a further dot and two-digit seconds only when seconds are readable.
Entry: 11.41
